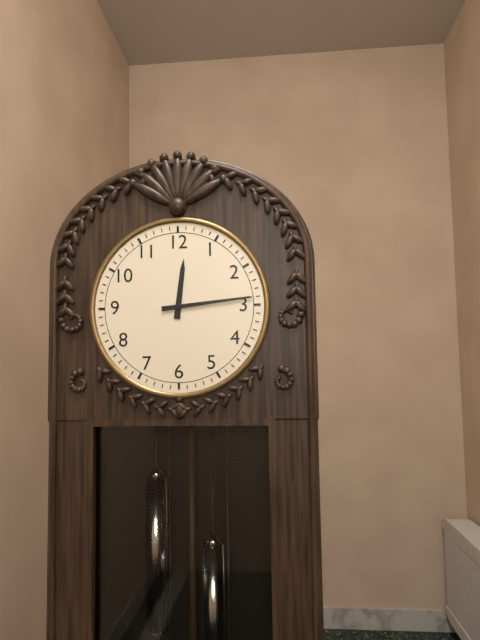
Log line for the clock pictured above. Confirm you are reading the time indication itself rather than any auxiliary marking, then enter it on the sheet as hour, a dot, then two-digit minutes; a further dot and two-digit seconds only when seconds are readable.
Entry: 12.14
